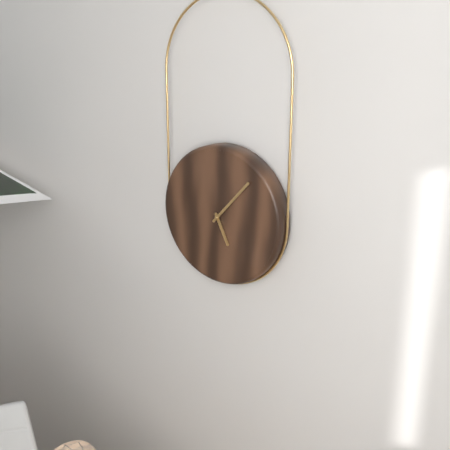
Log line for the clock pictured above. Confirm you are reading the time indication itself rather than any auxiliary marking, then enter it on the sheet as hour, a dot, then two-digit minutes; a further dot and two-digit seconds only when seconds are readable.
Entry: 5.07
